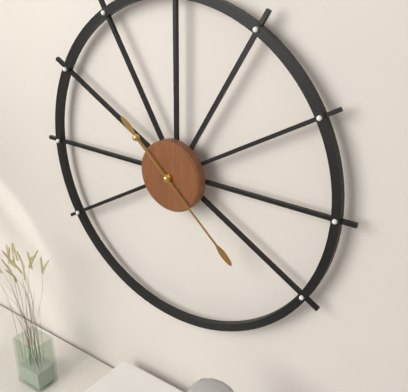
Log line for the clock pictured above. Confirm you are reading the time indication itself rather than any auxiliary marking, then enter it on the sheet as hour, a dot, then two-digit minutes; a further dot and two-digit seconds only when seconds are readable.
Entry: 10.22
